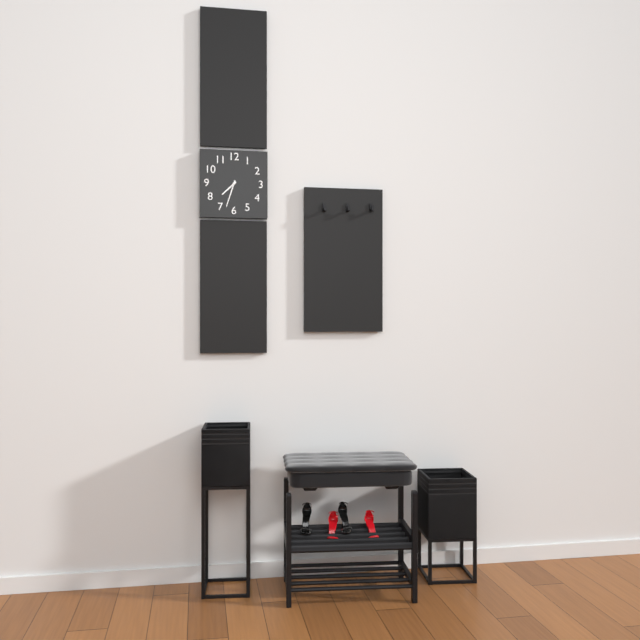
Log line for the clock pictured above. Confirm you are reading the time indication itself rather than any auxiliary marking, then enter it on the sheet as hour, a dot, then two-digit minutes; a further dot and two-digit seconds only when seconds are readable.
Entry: 7.33
